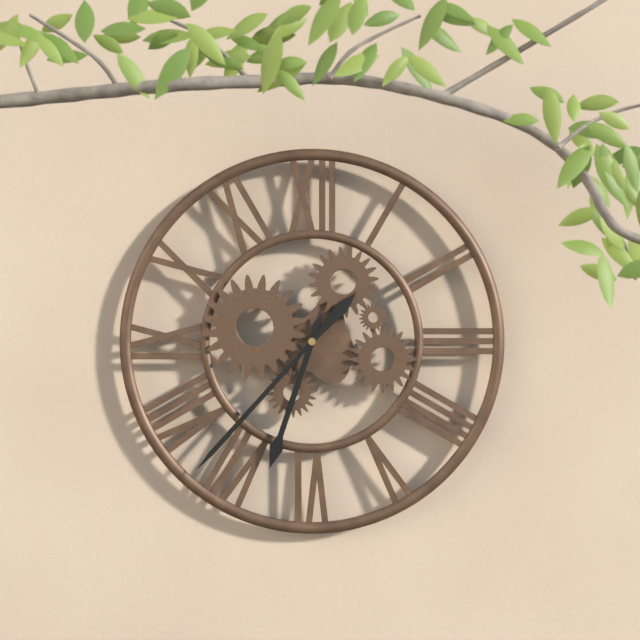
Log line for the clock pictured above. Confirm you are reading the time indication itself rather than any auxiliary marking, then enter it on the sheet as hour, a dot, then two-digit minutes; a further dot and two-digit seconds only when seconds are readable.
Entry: 6.37
